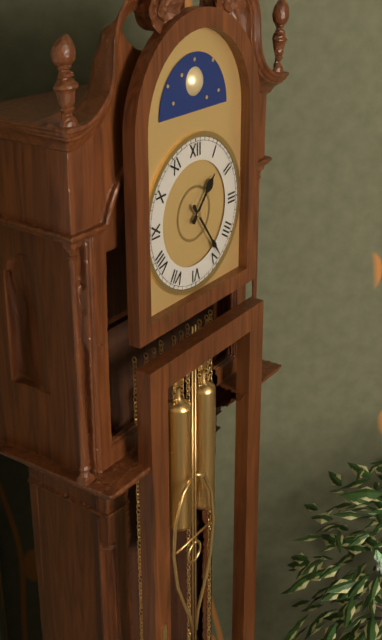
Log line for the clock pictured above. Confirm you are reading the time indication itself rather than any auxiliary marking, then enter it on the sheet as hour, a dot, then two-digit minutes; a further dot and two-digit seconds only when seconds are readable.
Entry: 1.24
